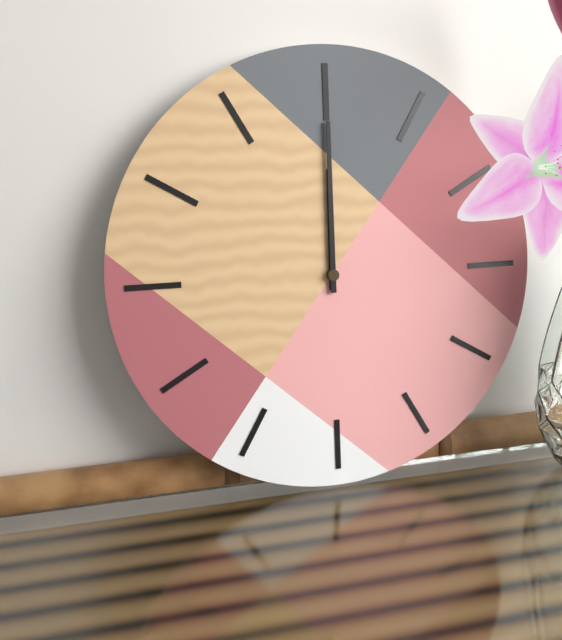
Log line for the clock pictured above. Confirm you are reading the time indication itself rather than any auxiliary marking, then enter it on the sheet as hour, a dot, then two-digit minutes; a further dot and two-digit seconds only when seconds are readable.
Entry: 12.00
